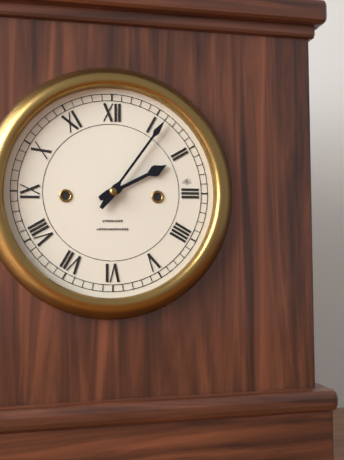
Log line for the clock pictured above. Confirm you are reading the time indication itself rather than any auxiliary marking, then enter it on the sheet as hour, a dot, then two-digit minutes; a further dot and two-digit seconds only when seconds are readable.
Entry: 2.06
